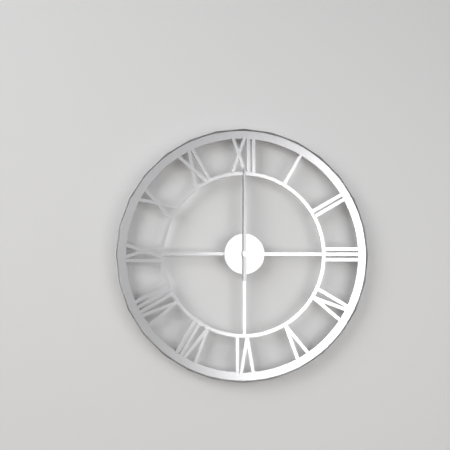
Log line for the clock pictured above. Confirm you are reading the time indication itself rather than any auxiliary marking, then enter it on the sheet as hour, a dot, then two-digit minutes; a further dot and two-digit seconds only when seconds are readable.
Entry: 12.00
